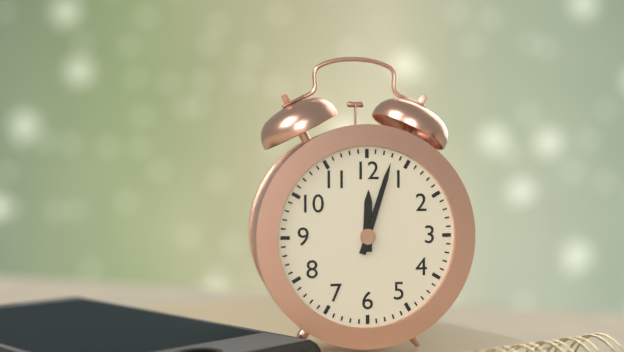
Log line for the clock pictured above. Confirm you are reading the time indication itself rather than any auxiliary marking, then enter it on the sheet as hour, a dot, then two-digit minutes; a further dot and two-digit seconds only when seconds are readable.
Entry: 12.03
